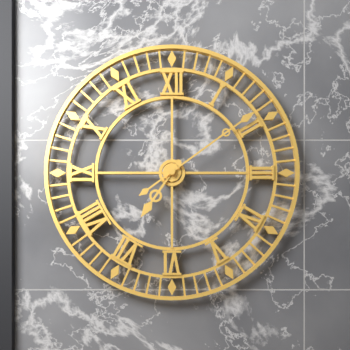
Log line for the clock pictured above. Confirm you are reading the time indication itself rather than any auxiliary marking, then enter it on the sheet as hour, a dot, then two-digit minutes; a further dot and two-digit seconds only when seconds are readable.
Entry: 7.09
